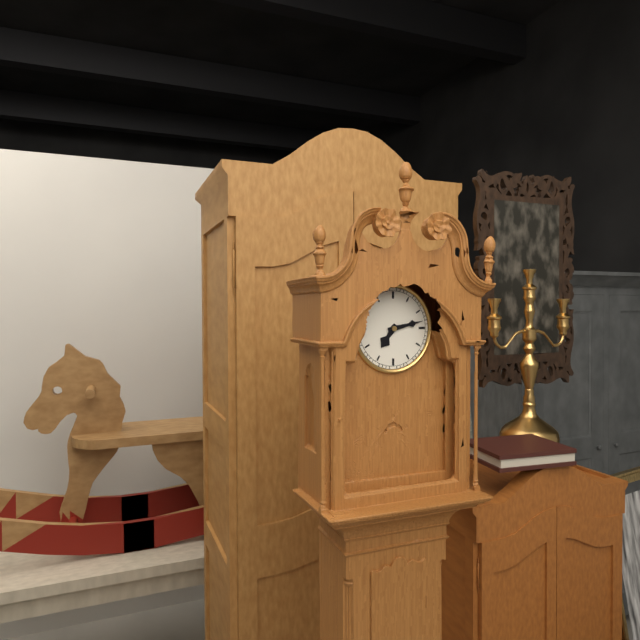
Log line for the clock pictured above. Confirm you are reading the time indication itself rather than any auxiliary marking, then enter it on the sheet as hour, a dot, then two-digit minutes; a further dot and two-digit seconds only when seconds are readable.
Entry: 7.13
